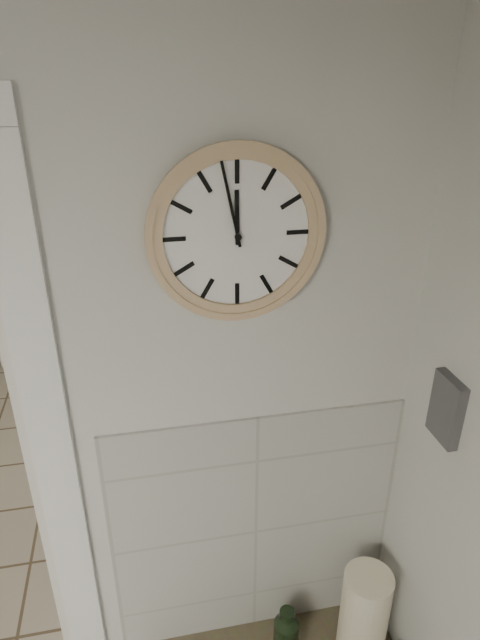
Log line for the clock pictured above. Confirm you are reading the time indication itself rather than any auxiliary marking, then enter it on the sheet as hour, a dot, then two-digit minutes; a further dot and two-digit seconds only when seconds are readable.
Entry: 11.58
